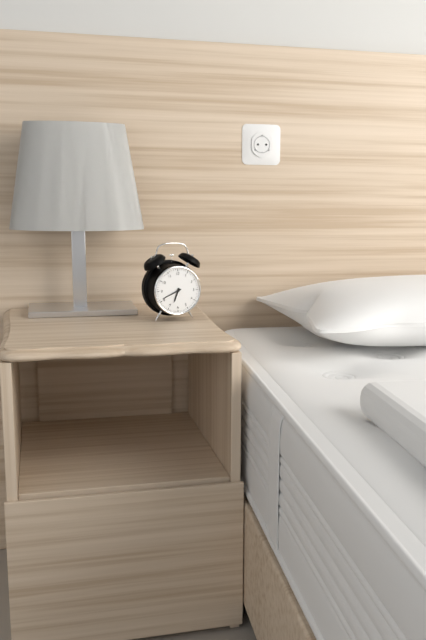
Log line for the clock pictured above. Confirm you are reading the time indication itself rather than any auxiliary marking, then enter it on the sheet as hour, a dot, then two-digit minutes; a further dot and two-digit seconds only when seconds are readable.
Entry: 6.41
